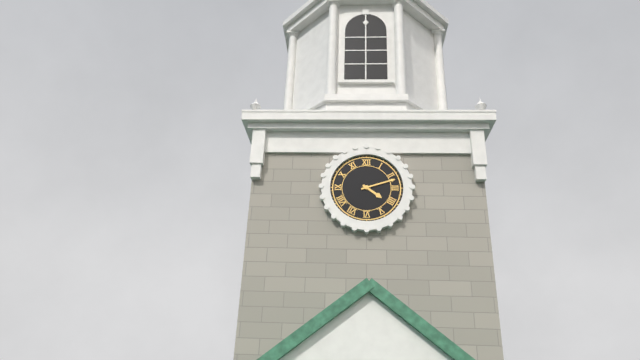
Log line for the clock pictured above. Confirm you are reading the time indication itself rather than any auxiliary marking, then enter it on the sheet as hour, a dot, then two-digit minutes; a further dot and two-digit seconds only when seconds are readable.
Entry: 4.12
